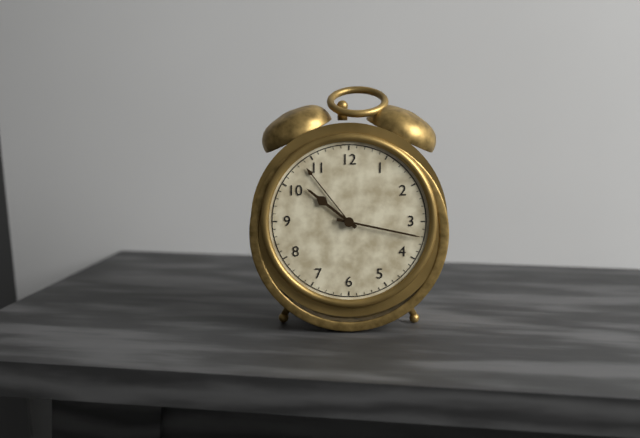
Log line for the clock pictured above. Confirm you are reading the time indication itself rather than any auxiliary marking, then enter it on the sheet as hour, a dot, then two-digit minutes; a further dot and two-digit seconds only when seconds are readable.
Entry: 10.17
